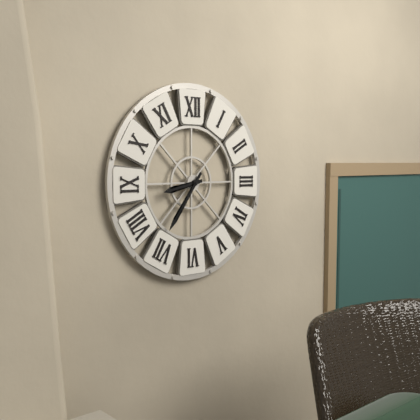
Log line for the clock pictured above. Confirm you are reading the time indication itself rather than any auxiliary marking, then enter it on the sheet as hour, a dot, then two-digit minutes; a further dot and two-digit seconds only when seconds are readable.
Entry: 8.36
